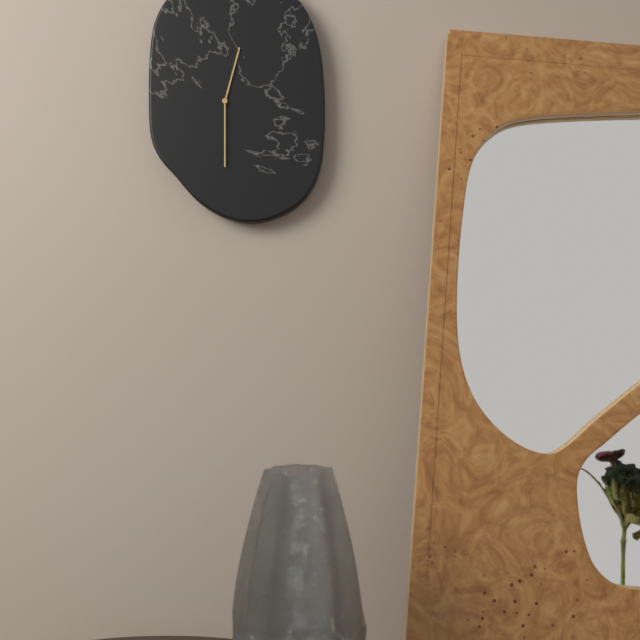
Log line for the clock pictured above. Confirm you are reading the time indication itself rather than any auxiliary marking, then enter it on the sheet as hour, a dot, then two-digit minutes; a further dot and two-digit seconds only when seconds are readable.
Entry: 12.30
